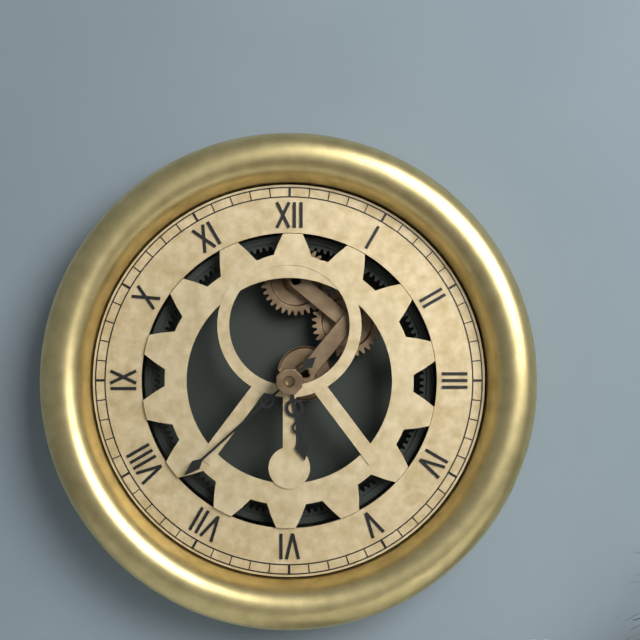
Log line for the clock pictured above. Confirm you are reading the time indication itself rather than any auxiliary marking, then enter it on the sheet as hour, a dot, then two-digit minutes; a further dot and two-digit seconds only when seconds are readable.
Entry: 5.38
